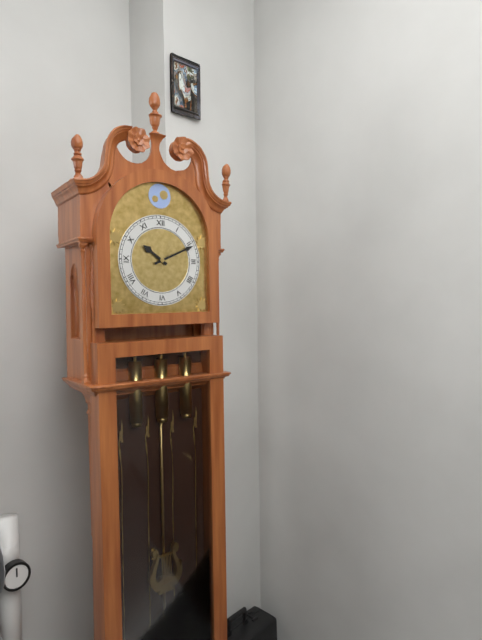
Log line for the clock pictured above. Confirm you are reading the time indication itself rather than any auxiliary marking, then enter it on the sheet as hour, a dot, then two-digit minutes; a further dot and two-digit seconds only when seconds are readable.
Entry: 10.11
